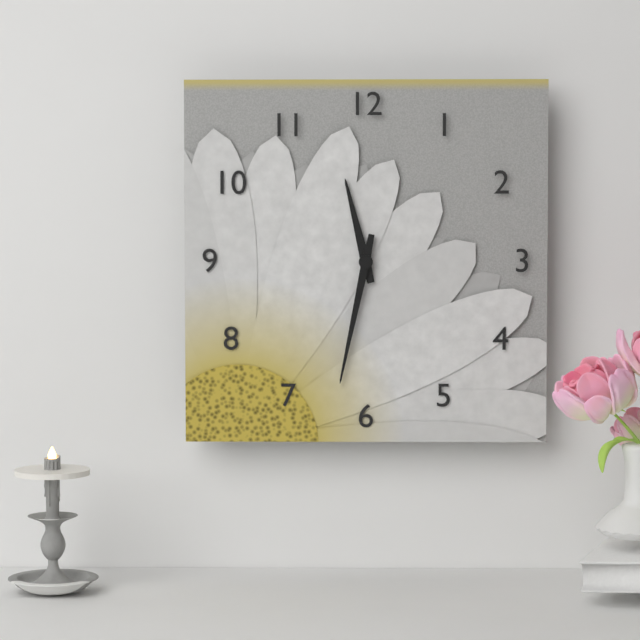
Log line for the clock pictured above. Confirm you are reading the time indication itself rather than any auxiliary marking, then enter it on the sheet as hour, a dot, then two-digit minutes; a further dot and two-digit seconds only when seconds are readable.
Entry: 11.32
